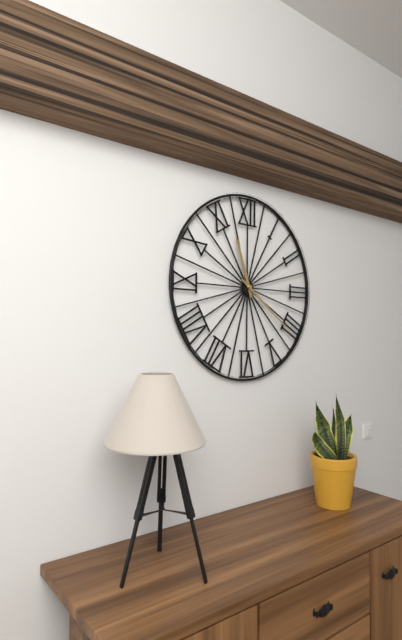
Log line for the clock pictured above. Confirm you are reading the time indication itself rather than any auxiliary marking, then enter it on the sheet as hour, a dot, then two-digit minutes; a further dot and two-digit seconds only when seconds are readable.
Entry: 11.21
